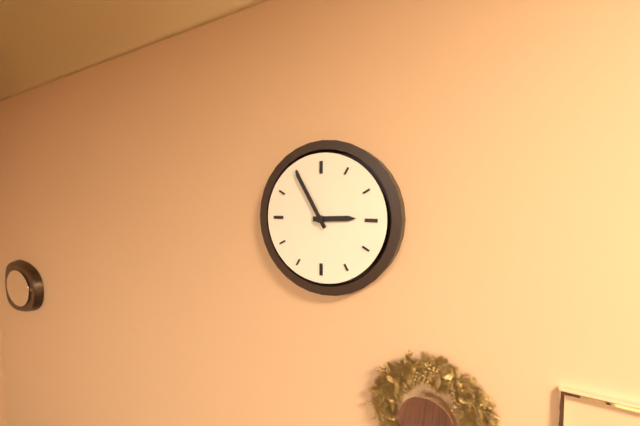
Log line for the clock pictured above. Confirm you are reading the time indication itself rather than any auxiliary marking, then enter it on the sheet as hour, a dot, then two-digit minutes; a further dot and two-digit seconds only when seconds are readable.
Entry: 2.55
